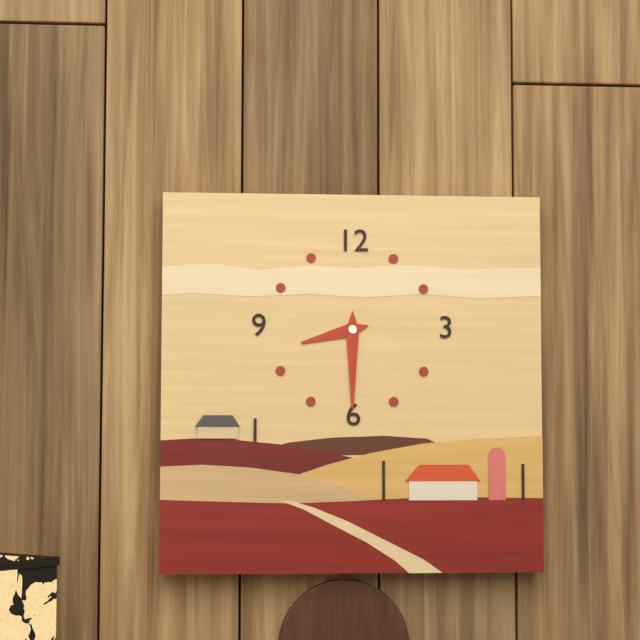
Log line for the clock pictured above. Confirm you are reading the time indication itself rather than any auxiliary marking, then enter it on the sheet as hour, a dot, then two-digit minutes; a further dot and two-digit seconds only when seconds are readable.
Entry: 8.30
